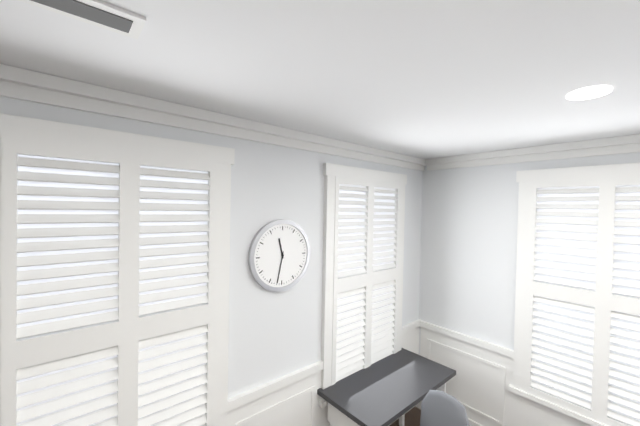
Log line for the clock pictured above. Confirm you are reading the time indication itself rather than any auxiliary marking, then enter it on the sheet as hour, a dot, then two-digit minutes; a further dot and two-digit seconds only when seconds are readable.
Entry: 11.32
